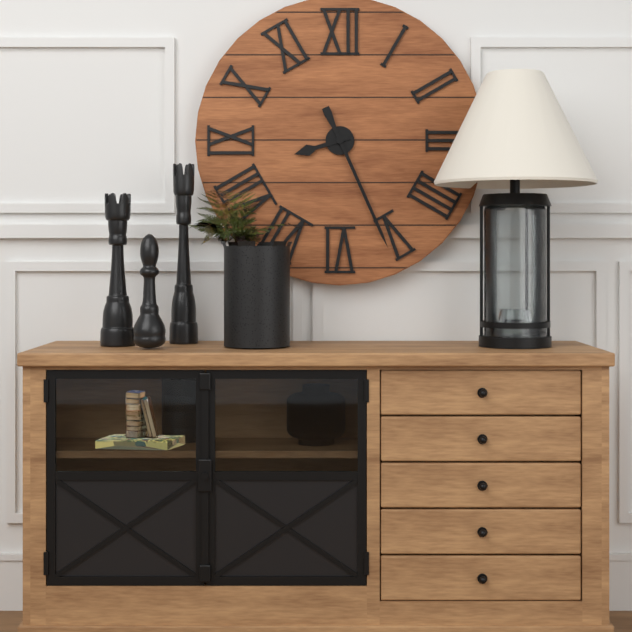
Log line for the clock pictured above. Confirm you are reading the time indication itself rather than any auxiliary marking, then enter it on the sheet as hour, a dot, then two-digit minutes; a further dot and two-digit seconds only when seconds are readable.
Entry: 8.26
